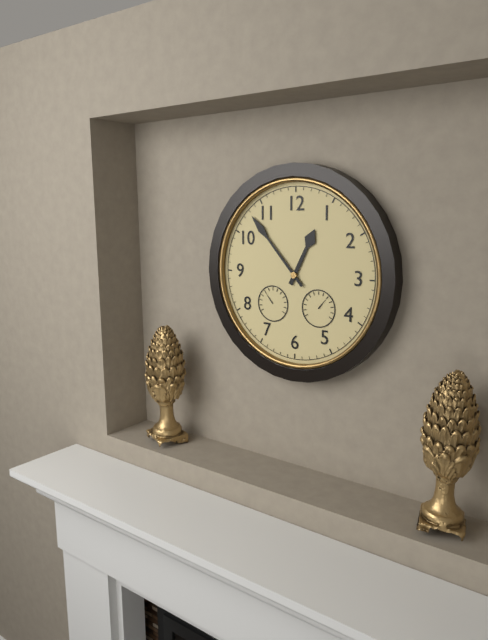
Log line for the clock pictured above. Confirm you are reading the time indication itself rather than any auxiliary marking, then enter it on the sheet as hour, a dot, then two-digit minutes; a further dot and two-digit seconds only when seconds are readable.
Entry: 12.53
